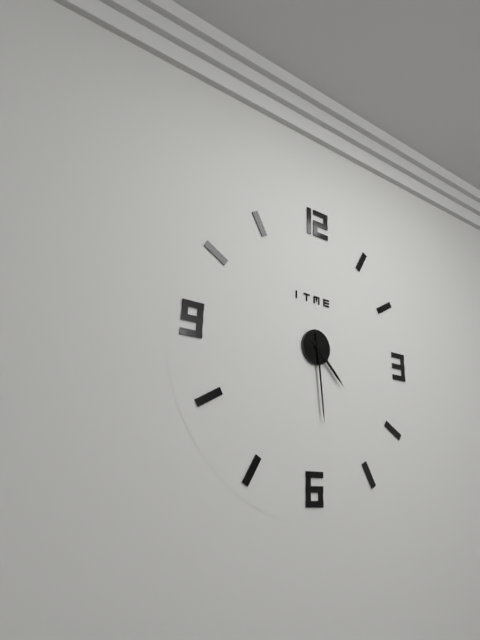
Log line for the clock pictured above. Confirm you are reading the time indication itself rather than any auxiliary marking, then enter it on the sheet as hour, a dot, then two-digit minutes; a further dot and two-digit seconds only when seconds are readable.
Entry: 4.29
